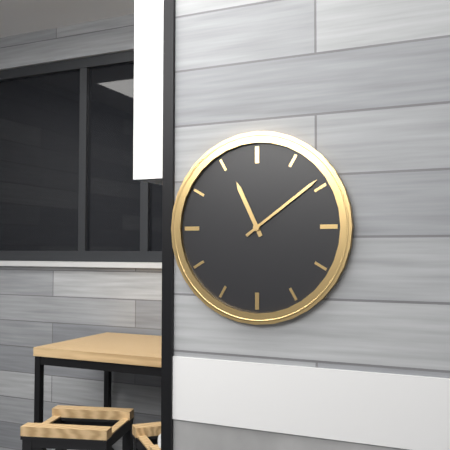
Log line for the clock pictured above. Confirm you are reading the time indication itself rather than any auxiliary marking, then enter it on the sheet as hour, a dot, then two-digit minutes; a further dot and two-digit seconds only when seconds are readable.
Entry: 11.09
